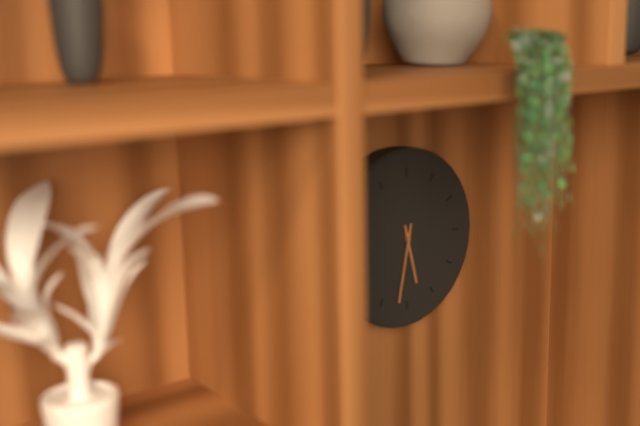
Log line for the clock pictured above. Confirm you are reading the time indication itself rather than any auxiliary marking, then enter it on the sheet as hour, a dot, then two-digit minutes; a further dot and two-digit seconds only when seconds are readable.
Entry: 5.32
